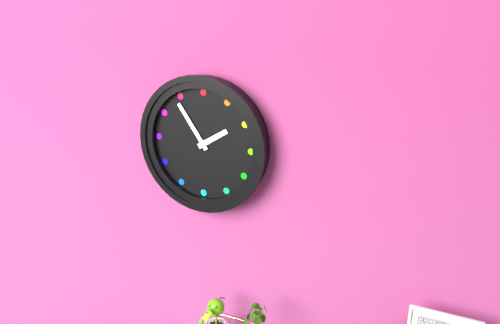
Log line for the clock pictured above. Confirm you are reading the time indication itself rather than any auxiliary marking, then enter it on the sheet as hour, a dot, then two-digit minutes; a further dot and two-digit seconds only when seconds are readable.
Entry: 1.54
